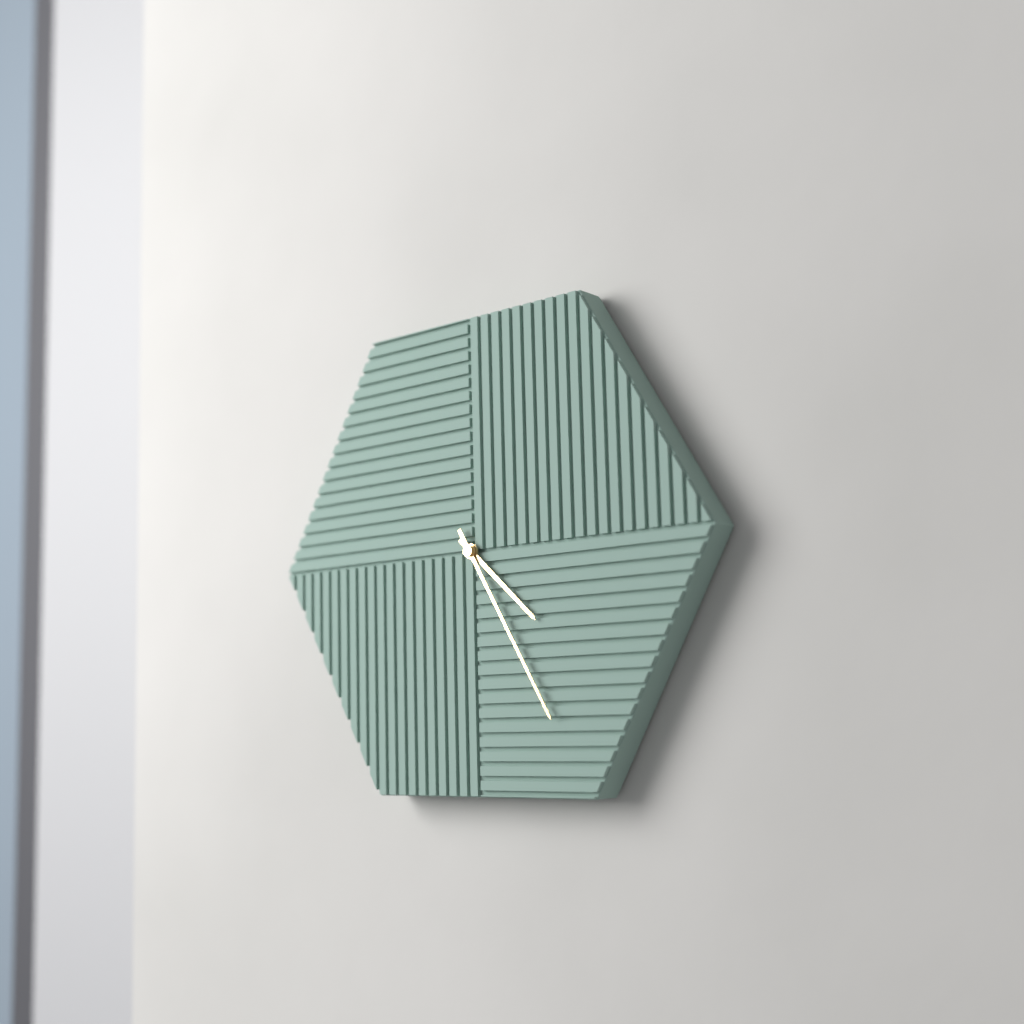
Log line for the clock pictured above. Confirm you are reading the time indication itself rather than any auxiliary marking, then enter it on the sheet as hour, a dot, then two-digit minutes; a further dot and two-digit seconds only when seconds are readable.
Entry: 4.25
